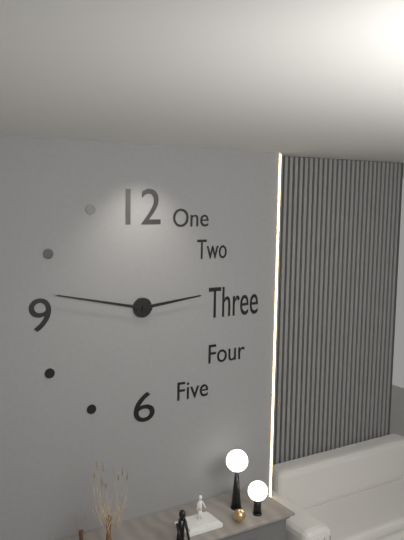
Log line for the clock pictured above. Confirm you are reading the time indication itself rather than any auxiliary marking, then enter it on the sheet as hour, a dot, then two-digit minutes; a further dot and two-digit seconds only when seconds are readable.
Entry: 2.47
